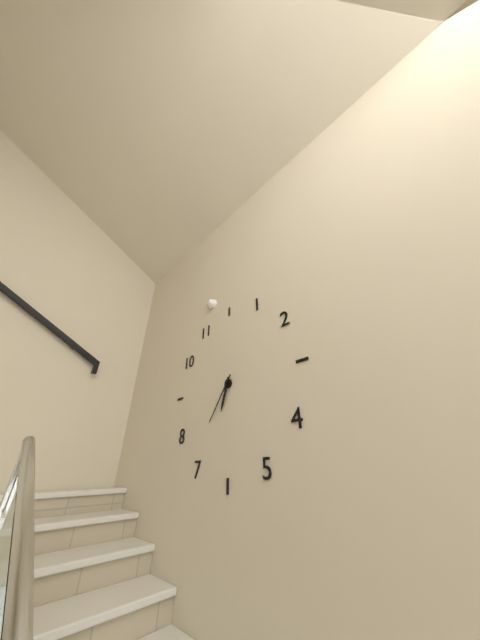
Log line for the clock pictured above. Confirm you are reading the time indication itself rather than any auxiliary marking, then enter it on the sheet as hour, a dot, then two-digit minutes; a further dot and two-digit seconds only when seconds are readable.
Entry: 6.36
